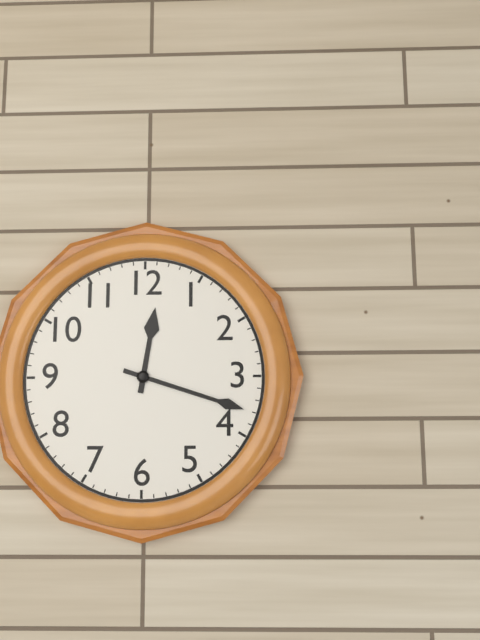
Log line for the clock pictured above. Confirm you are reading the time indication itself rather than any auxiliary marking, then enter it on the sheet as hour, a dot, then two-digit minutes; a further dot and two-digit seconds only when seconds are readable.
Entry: 12.18
